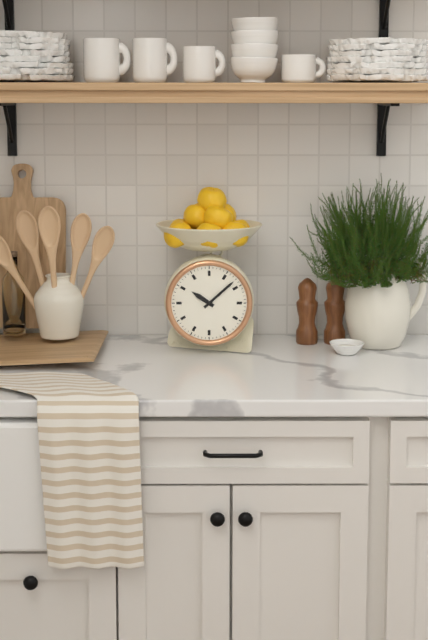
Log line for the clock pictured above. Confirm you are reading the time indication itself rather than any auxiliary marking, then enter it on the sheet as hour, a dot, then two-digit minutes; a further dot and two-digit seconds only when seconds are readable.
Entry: 10.08
